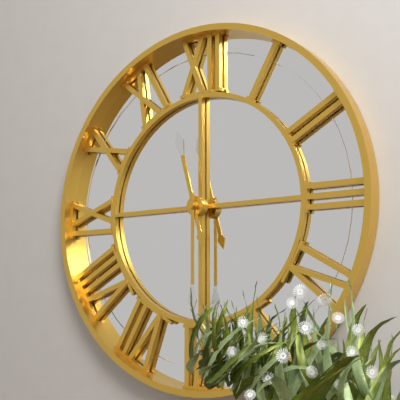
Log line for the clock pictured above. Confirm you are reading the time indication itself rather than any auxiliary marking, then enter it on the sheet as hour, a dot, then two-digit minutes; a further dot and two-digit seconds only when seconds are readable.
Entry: 11.30
